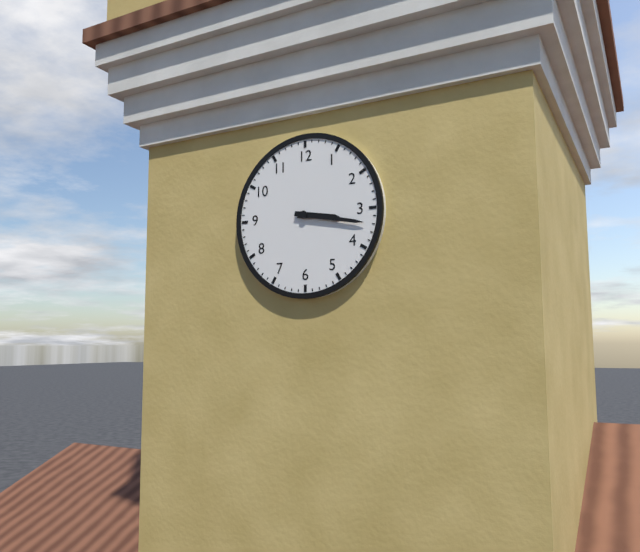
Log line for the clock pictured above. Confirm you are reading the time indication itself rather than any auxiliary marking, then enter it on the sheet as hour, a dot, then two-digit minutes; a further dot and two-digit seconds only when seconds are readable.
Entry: 3.17
